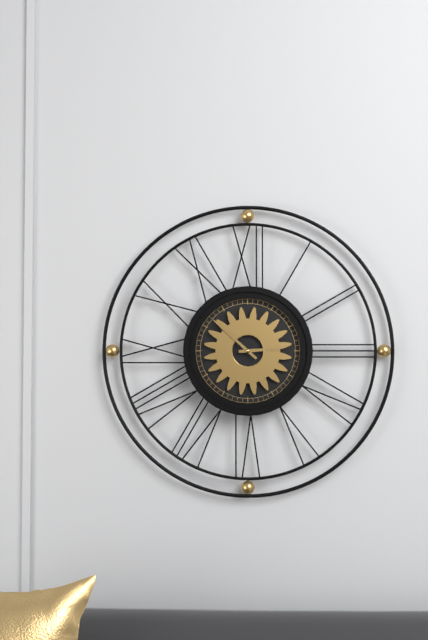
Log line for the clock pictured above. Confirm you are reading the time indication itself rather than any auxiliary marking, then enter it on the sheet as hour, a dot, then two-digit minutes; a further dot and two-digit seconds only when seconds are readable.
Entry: 2.52
